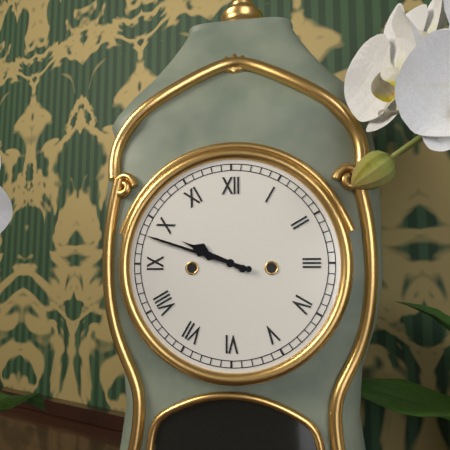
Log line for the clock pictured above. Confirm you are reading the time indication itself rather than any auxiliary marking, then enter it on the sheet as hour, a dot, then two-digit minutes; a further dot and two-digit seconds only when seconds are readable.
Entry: 9.48
